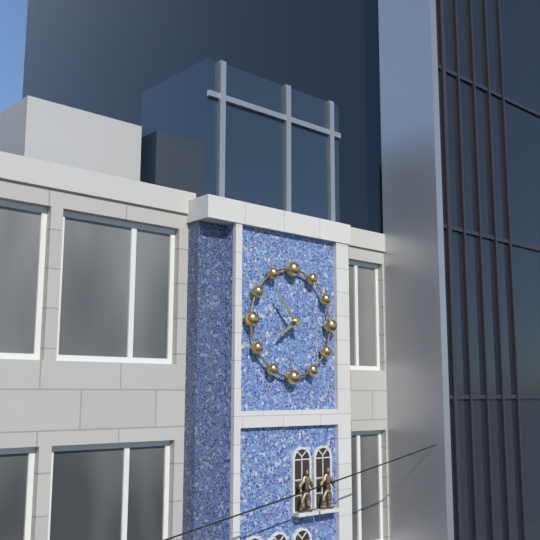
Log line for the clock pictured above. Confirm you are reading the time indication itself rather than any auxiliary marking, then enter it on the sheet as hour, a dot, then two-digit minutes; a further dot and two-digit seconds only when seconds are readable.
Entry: 7.53
